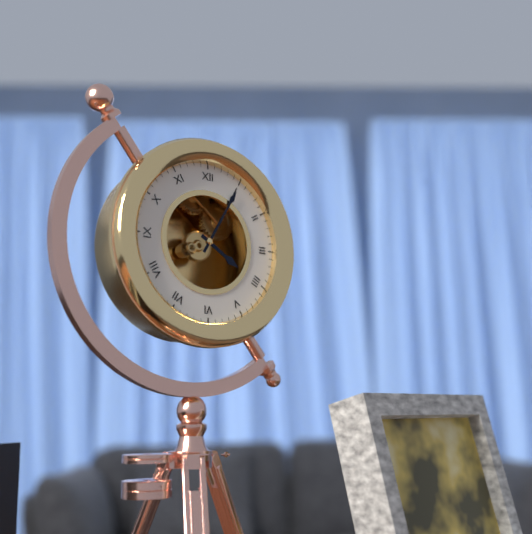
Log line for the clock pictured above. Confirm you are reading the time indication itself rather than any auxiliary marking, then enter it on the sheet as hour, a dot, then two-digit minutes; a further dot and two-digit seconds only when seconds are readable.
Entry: 4.05
